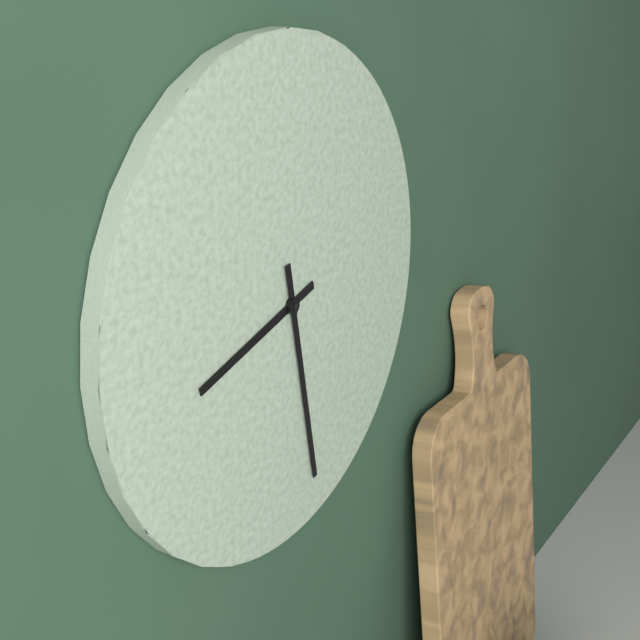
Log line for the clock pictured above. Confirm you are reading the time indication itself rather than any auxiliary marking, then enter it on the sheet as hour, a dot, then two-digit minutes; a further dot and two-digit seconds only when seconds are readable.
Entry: 8.28
